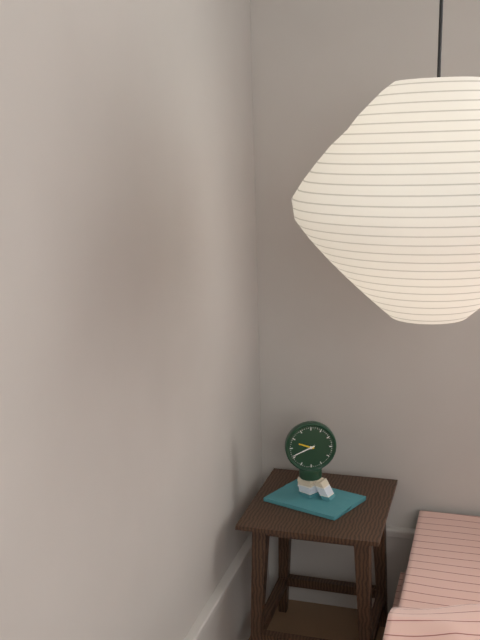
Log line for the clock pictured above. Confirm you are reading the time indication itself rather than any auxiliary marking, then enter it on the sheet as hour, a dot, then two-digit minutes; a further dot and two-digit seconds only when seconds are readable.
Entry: 9.41
